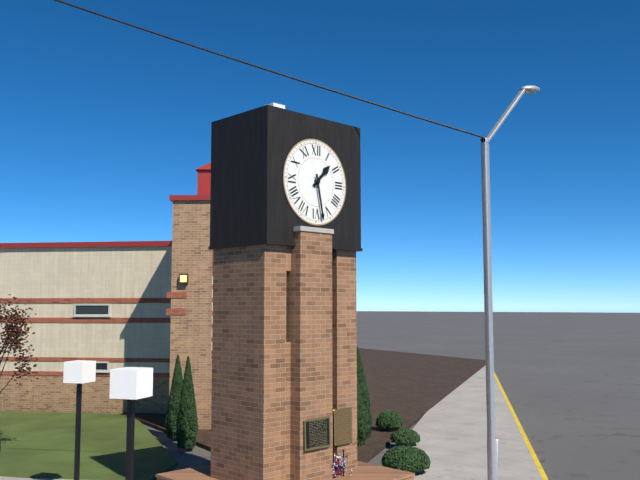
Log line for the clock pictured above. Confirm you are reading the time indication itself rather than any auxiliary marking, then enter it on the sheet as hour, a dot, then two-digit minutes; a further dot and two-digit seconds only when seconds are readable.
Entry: 1.28
